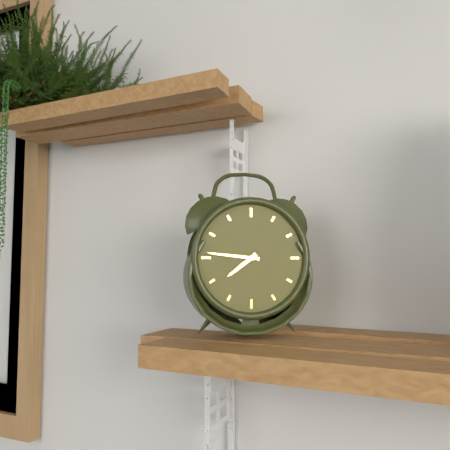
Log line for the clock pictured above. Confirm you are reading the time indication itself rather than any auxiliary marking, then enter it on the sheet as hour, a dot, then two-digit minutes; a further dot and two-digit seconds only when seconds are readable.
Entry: 7.46
